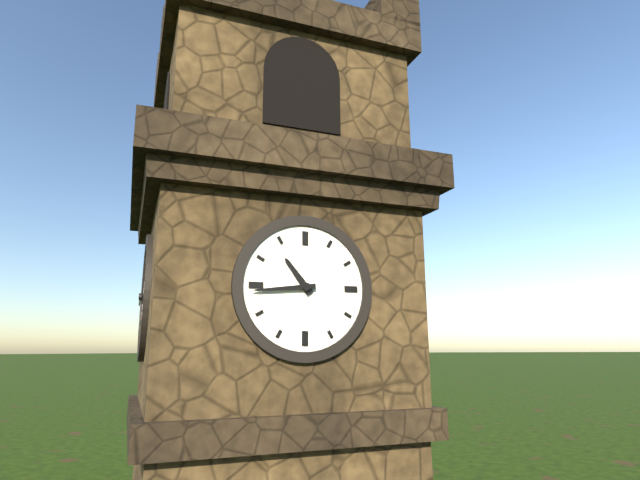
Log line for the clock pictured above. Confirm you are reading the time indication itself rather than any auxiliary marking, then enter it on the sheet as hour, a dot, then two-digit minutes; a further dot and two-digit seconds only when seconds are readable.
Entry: 10.44
